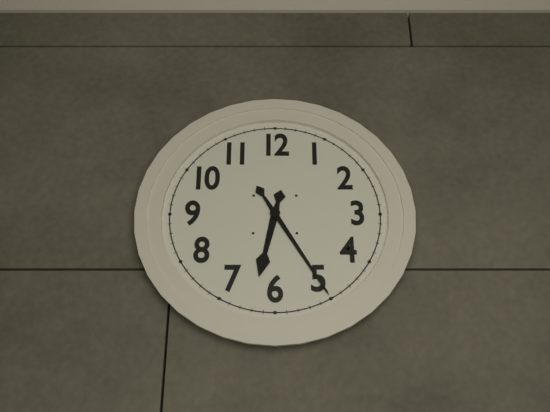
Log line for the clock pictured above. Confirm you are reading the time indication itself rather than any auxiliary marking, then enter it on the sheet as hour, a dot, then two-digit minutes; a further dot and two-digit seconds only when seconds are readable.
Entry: 6.25
